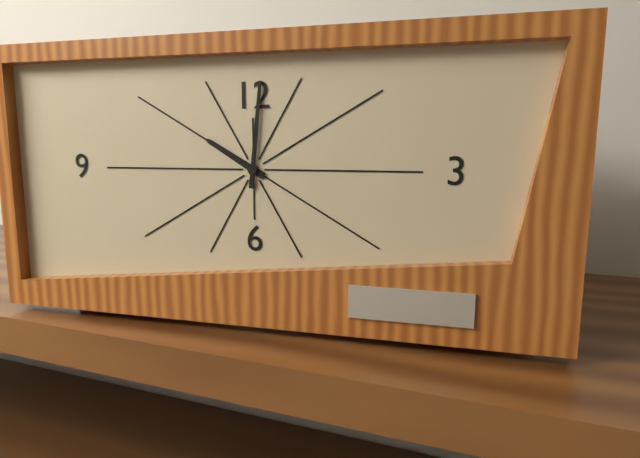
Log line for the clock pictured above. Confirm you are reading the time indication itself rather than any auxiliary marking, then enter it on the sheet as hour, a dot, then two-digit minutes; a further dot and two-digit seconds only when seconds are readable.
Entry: 10.01
